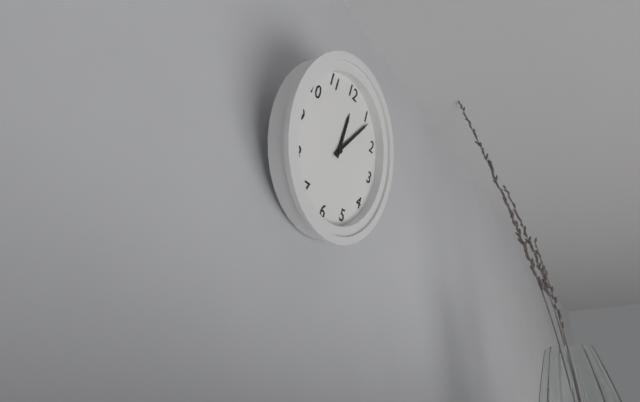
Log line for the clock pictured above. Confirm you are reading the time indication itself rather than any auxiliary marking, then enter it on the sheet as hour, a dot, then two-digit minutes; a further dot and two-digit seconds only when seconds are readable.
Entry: 12.06
